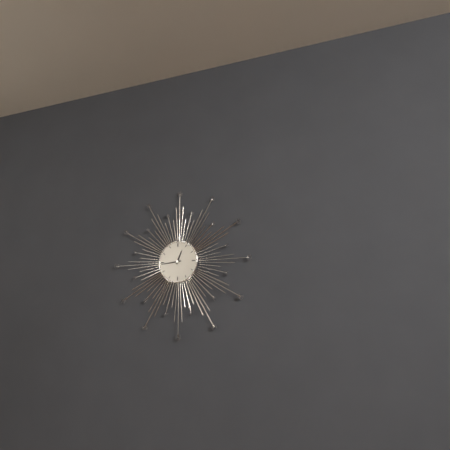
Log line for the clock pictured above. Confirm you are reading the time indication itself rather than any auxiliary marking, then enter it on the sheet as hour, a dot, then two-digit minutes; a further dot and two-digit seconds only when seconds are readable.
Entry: 12.44
